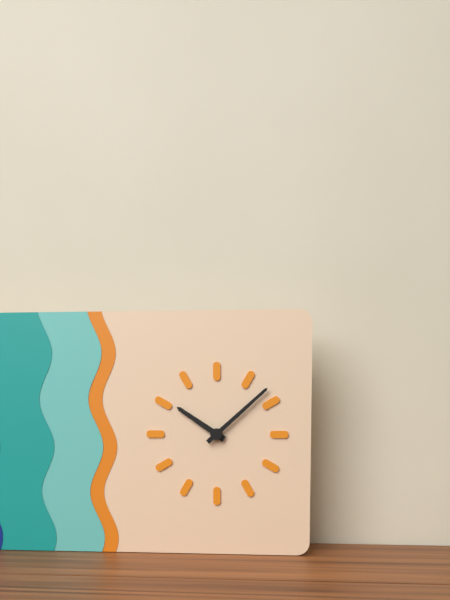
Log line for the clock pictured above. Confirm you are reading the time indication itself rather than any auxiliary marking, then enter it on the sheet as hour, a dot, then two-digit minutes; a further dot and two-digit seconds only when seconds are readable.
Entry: 10.08
